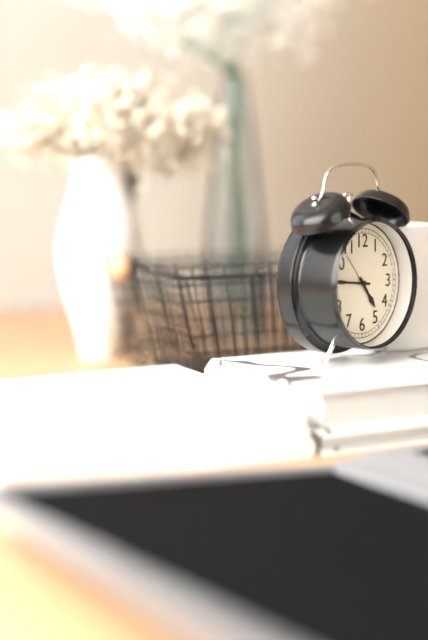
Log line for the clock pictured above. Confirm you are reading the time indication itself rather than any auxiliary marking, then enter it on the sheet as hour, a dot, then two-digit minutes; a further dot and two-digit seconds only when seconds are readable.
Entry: 4.46
